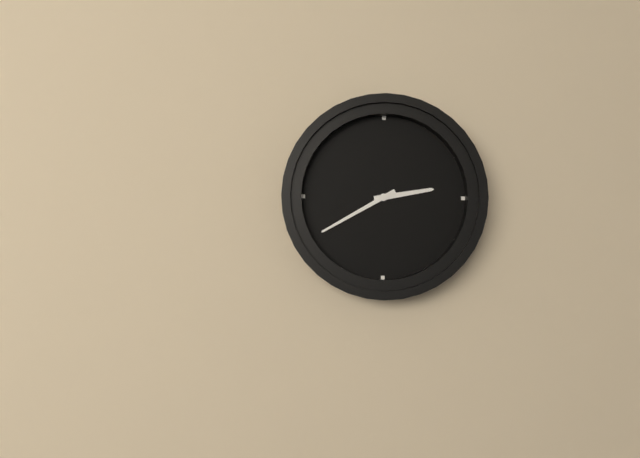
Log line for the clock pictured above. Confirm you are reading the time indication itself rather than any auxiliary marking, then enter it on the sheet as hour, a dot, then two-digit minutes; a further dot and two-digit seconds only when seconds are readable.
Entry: 2.40
